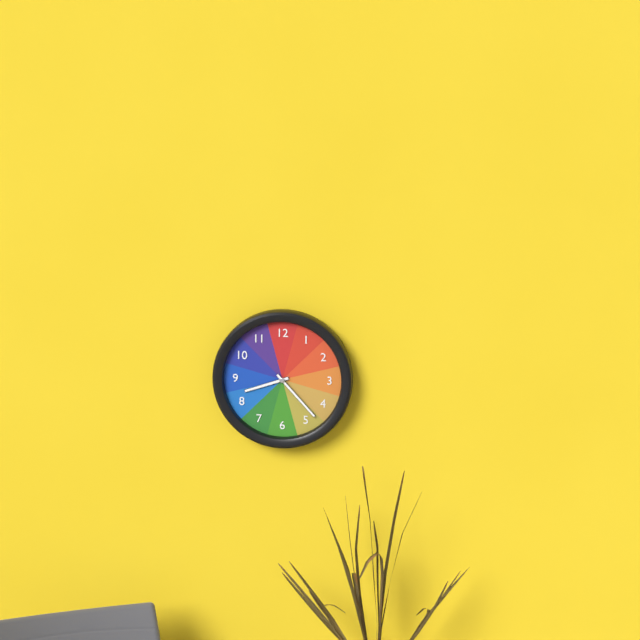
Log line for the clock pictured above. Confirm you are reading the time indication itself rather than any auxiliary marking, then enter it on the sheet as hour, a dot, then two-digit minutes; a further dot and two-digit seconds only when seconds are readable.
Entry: 8.23
